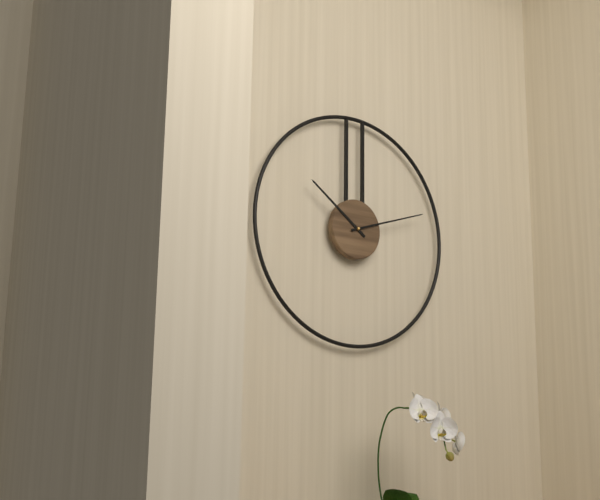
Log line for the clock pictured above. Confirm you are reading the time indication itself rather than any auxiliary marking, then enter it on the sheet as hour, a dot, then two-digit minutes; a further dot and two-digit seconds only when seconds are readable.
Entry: 10.12
